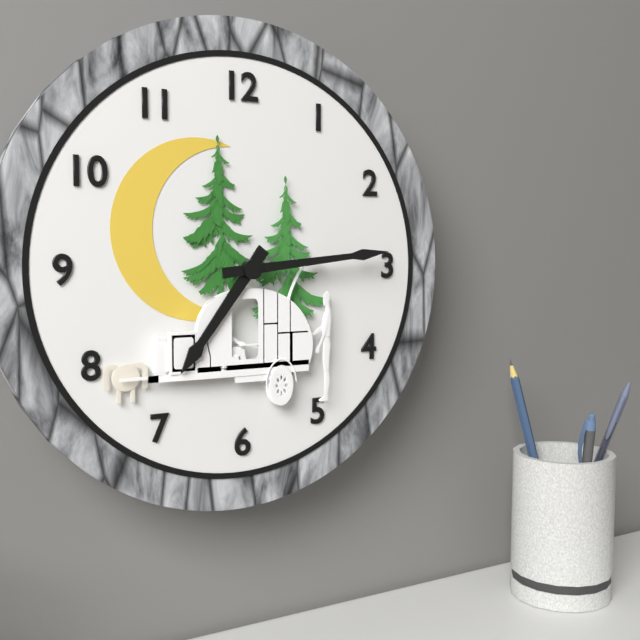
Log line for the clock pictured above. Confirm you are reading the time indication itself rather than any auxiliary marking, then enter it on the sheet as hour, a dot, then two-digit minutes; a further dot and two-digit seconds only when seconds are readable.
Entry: 7.14
